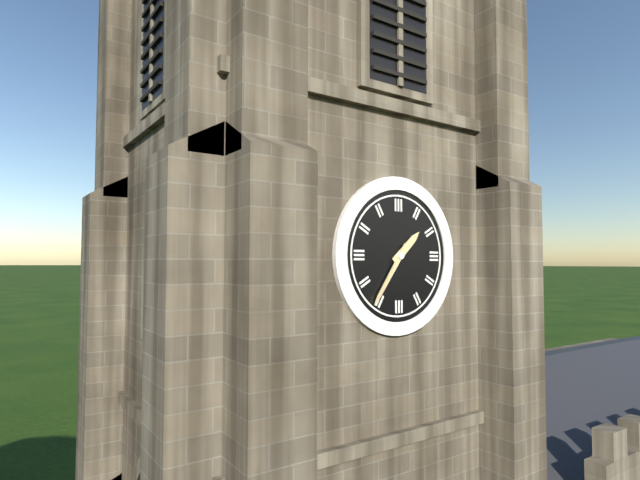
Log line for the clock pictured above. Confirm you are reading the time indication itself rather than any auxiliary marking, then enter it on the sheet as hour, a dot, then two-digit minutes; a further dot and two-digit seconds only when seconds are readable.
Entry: 1.36
